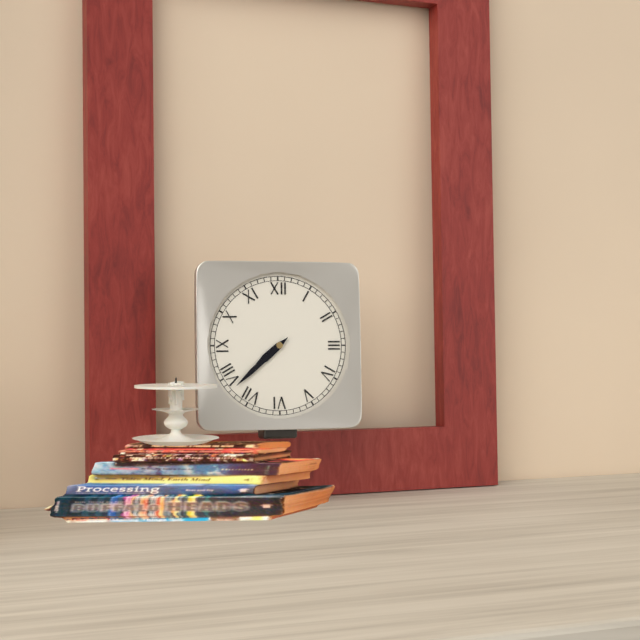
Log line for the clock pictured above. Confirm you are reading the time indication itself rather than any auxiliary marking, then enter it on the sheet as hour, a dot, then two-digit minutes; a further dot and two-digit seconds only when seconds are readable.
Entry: 7.38
